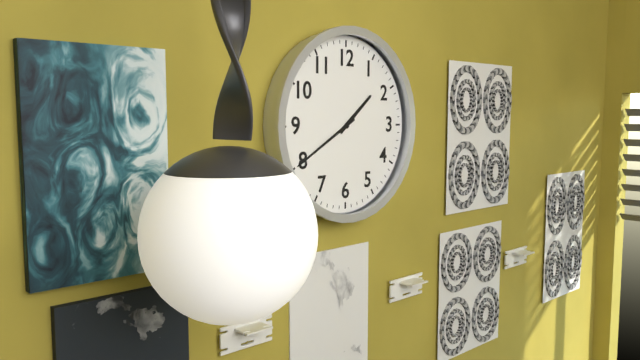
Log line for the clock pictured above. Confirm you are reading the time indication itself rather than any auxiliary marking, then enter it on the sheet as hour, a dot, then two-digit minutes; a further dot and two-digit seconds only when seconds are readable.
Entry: 1.40
